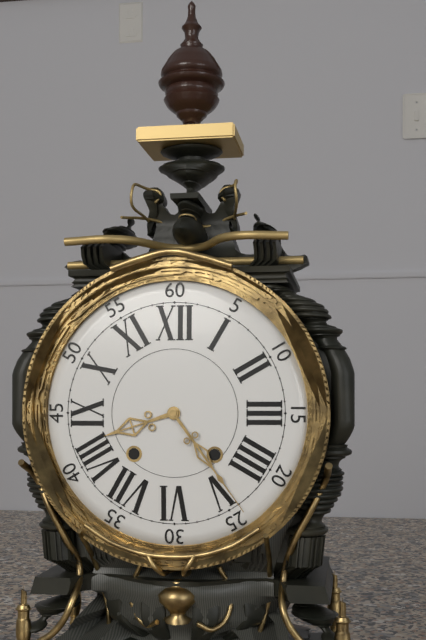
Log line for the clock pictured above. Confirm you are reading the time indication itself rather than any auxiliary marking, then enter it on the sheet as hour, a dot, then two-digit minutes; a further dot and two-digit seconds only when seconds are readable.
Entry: 8.24
